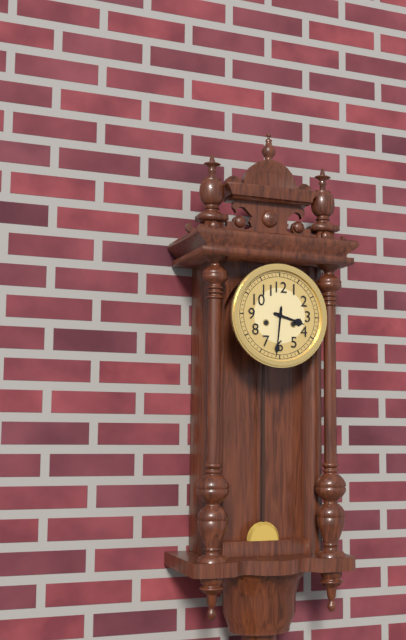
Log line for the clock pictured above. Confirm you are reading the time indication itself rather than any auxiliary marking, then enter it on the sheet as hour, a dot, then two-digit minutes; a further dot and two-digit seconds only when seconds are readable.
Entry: 3.31
